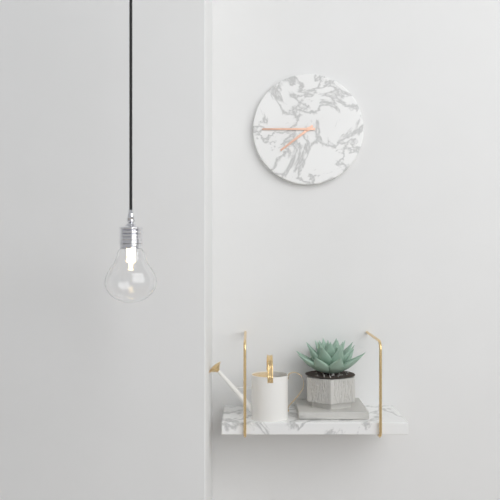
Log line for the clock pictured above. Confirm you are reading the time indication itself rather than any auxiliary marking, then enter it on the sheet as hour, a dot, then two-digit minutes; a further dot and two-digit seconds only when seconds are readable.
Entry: 7.45
